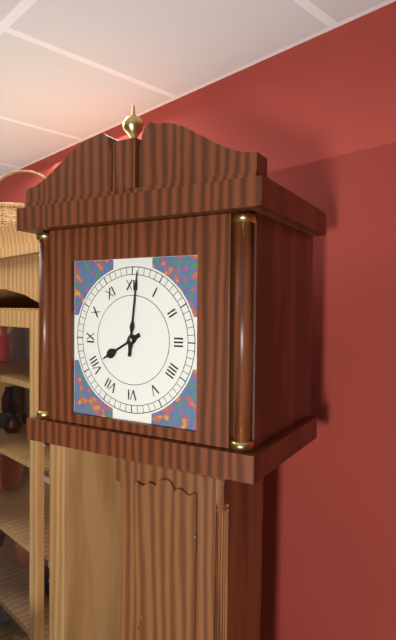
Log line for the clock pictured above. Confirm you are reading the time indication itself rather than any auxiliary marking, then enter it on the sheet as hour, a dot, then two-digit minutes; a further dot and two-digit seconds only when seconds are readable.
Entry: 8.01
